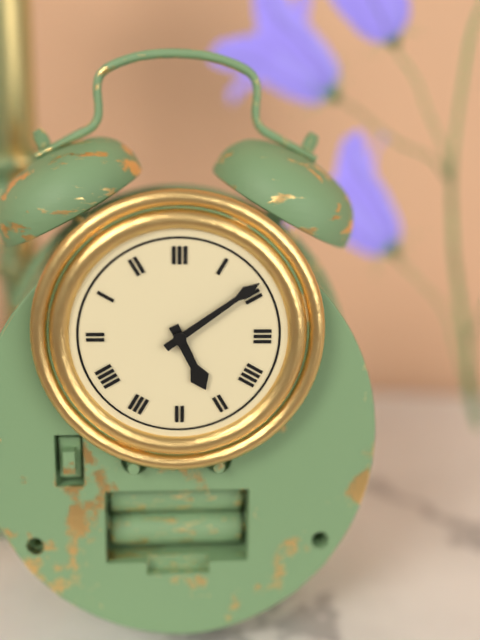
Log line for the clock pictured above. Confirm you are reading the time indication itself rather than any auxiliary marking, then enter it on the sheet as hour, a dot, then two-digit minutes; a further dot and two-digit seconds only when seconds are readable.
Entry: 5.09
